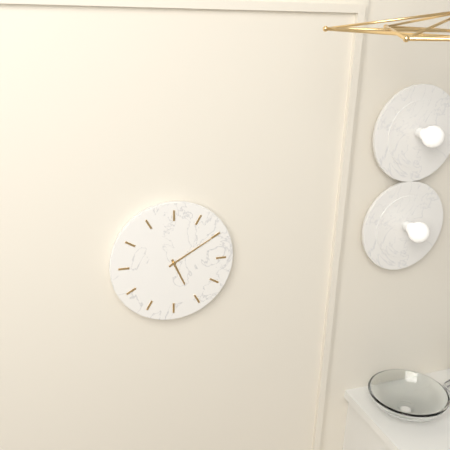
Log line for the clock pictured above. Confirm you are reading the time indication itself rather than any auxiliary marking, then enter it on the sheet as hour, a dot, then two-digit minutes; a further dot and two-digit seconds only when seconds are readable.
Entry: 5.10
